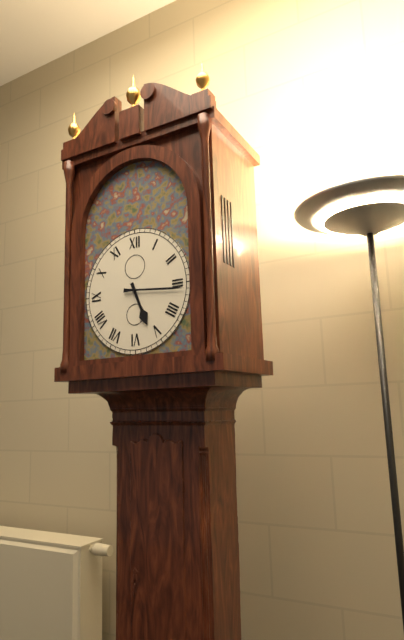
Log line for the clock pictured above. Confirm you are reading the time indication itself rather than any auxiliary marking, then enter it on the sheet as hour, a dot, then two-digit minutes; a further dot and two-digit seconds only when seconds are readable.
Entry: 5.16
